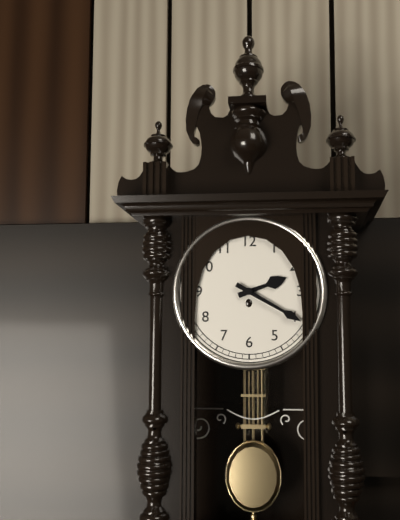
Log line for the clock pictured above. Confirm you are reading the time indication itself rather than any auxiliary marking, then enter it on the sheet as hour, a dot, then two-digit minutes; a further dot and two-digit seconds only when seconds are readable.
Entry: 2.20
